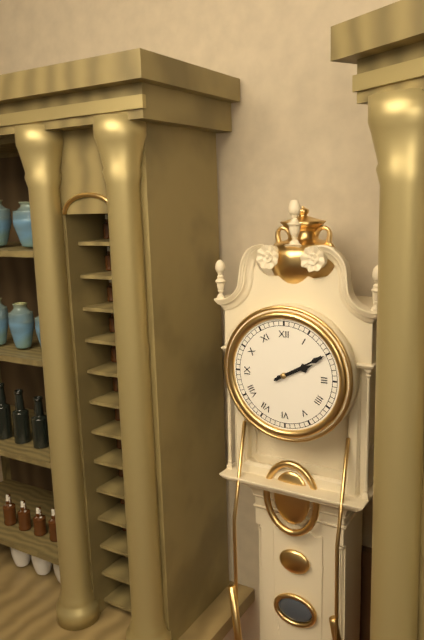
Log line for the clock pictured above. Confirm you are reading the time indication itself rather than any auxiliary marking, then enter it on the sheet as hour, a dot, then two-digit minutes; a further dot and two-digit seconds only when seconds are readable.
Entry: 2.10
